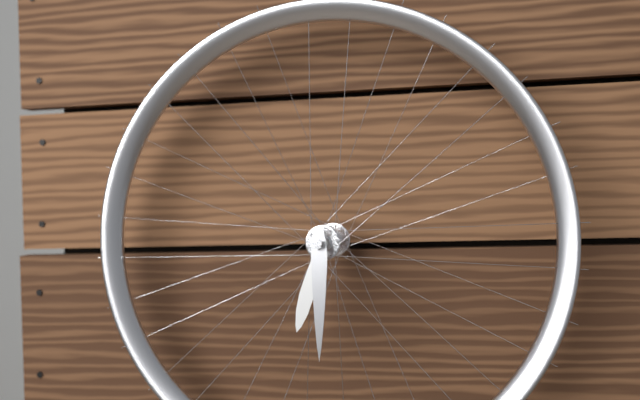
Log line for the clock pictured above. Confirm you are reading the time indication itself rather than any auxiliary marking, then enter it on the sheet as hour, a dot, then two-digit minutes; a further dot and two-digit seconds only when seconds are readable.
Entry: 6.30
